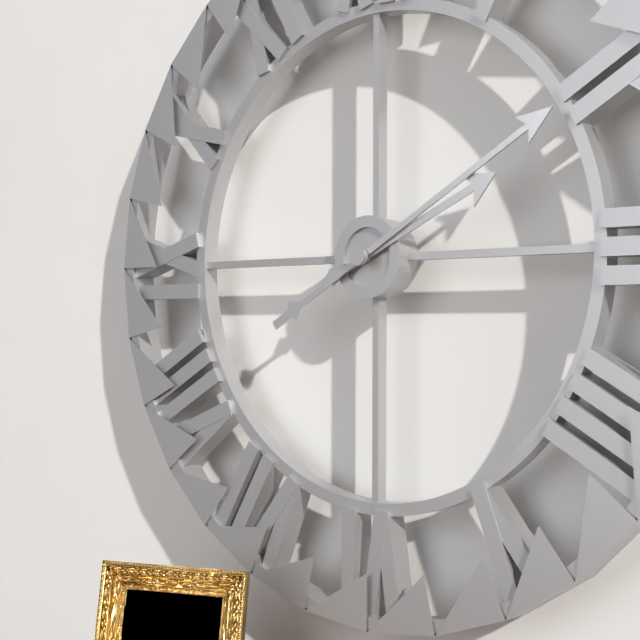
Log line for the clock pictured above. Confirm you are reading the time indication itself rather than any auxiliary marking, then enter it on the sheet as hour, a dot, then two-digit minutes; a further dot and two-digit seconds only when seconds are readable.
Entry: 2.10
